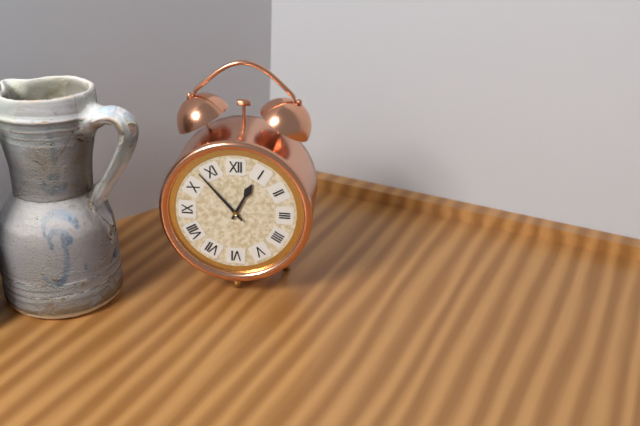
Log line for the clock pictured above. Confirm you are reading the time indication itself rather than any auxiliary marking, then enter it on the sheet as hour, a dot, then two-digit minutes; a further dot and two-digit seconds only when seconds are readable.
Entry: 12.53
